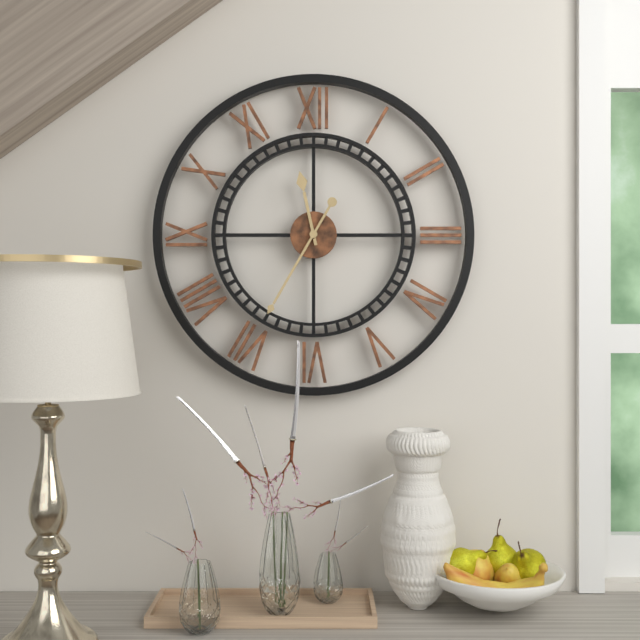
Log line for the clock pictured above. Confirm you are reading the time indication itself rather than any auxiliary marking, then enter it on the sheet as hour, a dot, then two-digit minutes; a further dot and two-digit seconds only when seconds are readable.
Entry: 11.35
